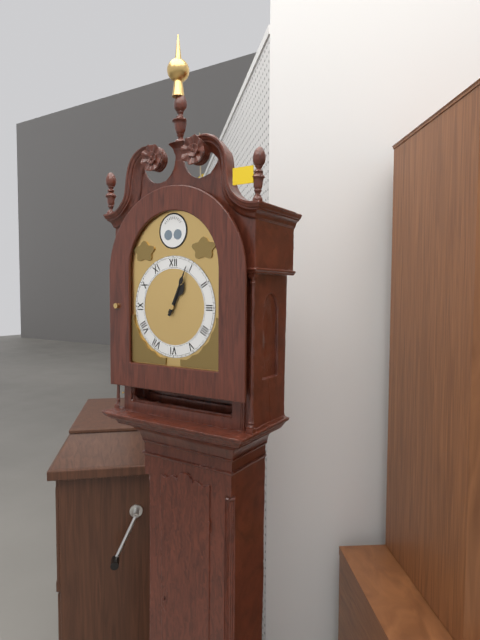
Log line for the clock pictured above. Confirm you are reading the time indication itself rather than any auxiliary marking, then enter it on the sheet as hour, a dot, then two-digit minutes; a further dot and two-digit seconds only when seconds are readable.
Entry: 1.04
